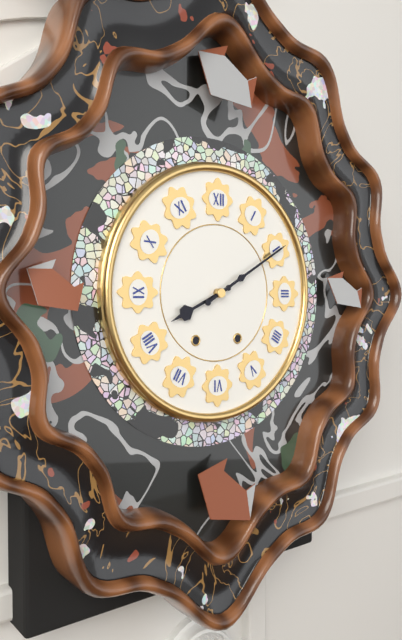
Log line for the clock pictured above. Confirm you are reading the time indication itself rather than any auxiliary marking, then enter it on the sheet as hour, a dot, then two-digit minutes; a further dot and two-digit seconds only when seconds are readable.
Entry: 8.10
